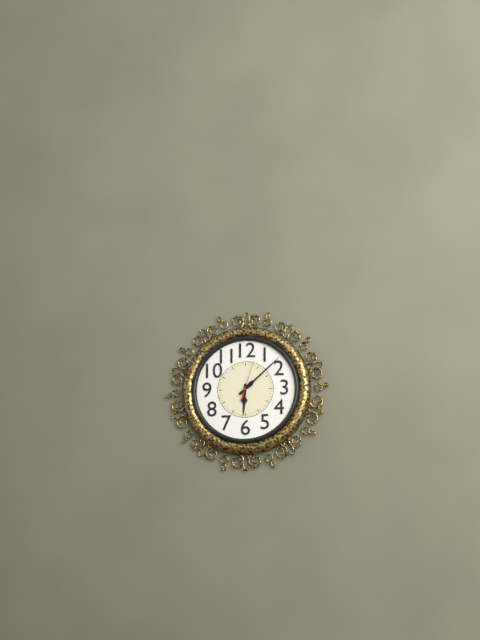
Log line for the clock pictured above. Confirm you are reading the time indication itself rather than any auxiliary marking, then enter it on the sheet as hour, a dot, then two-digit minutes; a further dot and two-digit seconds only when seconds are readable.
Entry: 6.08
